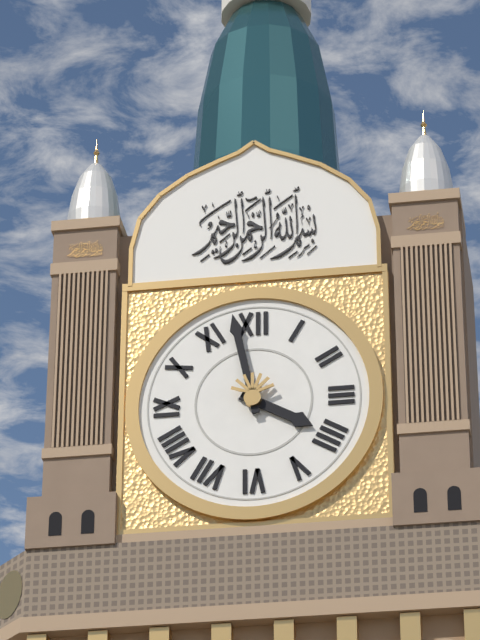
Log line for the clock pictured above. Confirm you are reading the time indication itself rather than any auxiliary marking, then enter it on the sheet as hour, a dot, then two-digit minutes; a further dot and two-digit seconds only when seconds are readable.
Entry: 3.58
